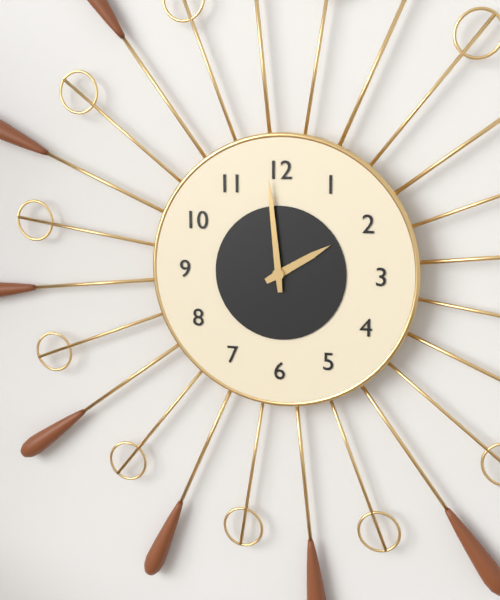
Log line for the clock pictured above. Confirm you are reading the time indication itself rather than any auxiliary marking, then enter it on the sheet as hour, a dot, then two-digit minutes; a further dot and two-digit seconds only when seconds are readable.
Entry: 1.59
